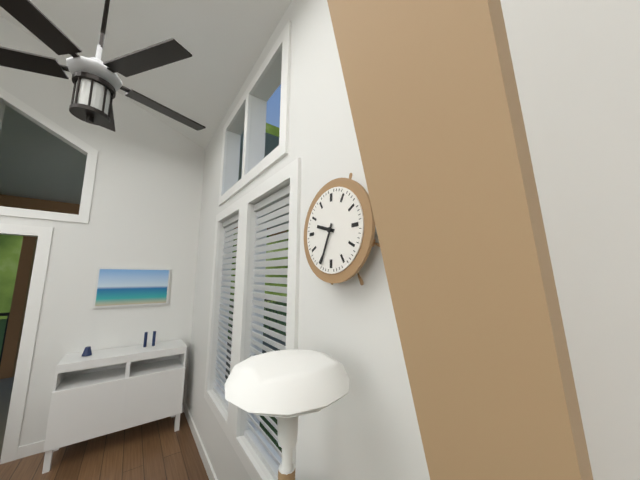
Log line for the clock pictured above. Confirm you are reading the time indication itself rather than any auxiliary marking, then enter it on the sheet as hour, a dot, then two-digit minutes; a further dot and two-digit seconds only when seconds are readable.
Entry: 9.34
